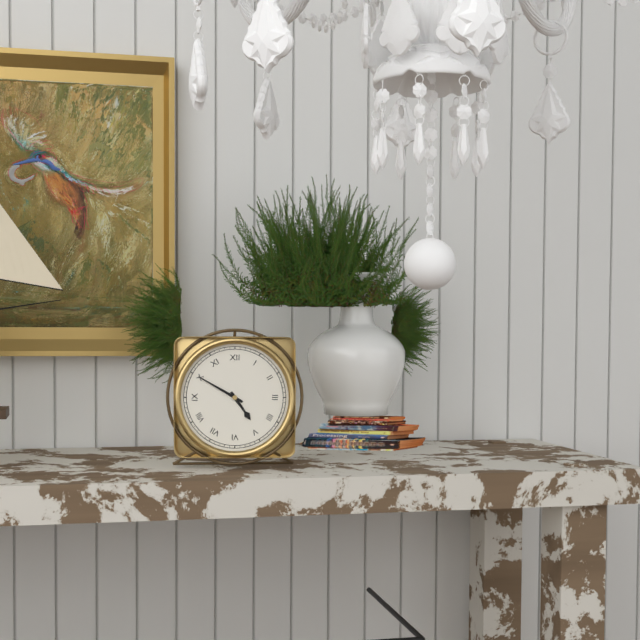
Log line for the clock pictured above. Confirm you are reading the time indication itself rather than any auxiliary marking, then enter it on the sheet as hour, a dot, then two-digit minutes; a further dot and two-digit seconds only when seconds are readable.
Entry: 4.50
